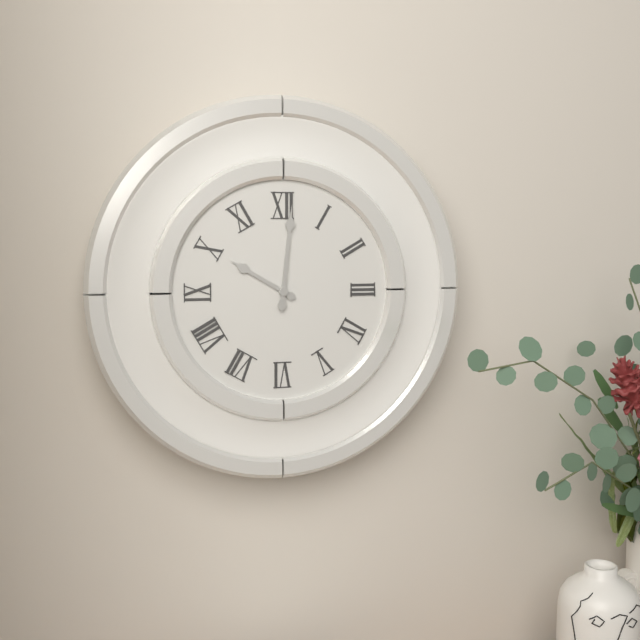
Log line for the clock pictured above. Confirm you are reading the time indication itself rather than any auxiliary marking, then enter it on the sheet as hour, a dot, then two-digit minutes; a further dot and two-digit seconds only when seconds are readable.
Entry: 10.01
